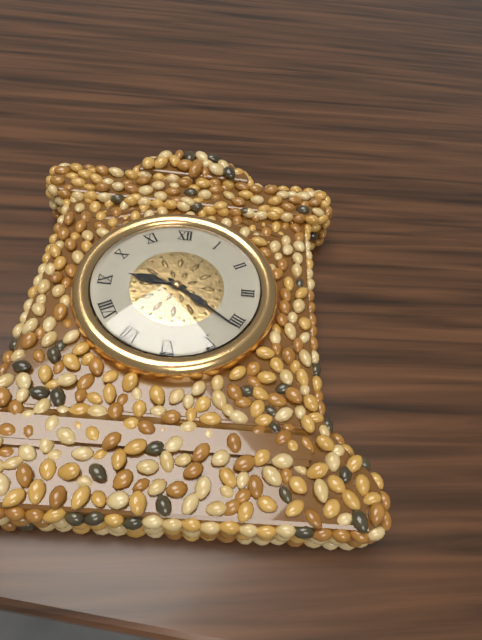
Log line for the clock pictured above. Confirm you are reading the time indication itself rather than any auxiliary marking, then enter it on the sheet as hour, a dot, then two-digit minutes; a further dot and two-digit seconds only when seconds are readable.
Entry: 9.21
